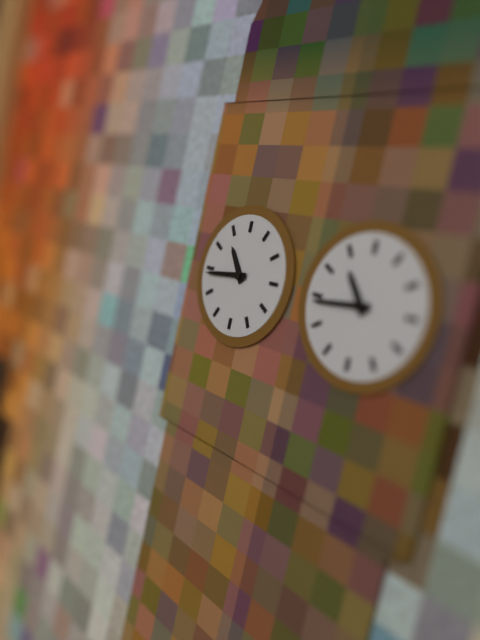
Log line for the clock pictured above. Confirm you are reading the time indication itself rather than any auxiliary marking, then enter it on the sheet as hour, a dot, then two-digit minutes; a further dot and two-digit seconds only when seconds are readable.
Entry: 10.44
